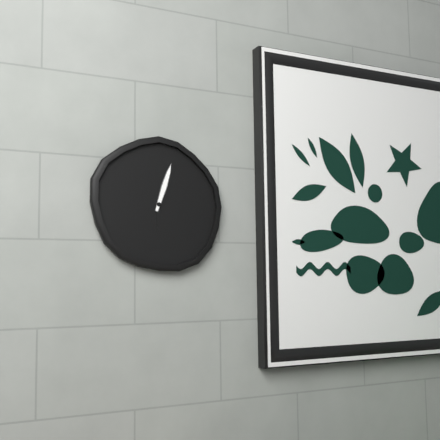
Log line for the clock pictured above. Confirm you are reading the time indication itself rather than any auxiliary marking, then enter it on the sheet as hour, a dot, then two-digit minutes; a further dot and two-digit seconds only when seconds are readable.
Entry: 6.03
